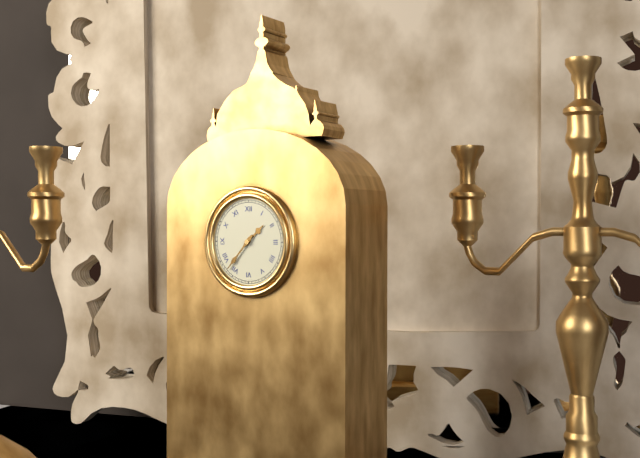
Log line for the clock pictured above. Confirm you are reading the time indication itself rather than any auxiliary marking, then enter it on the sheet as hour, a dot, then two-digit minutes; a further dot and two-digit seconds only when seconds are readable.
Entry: 1.37
